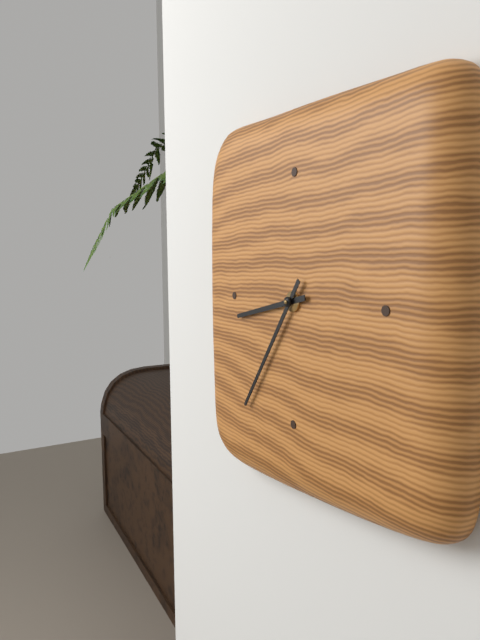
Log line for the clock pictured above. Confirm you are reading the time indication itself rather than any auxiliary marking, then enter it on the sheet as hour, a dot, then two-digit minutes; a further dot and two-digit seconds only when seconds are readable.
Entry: 8.36
